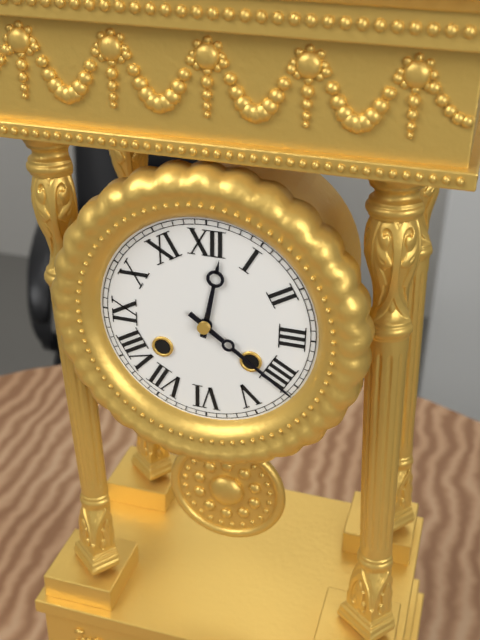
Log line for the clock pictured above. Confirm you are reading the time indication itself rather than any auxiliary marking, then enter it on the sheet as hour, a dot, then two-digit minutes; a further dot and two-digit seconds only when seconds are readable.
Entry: 12.21
